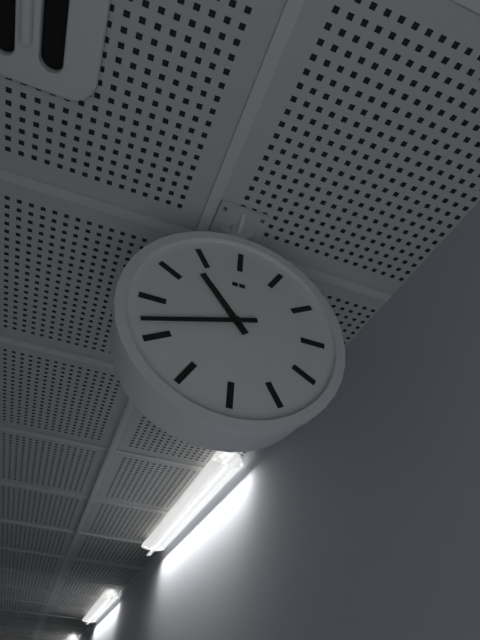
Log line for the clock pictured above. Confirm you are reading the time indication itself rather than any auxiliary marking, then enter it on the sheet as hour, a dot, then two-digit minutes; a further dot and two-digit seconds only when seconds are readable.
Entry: 10.42
